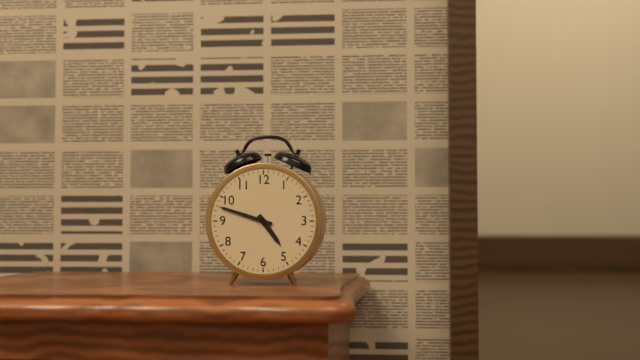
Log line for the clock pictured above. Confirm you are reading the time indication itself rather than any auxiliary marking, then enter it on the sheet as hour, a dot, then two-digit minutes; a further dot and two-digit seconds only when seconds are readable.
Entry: 4.48
